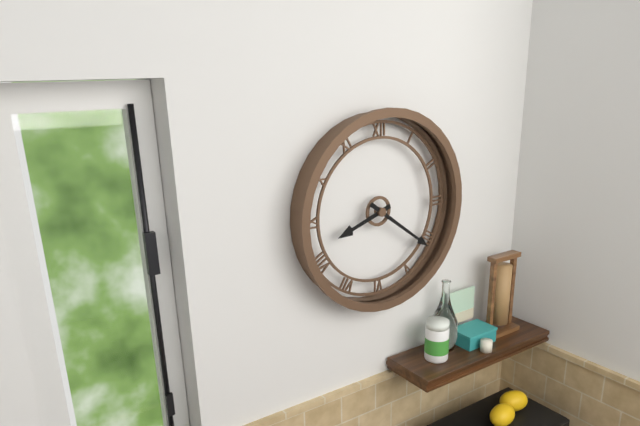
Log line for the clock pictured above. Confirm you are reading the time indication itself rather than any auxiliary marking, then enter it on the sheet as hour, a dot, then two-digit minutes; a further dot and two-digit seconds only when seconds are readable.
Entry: 8.21
